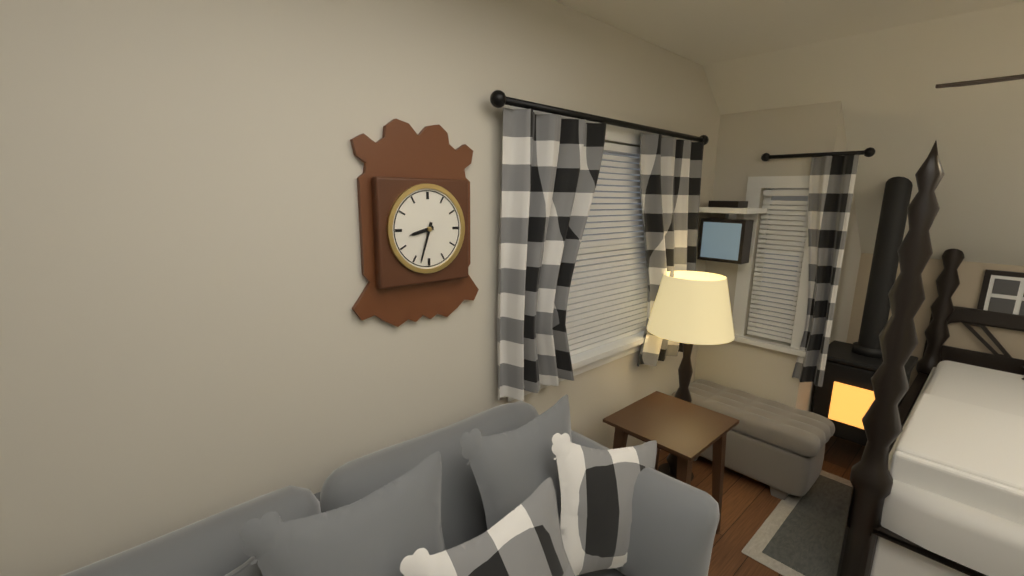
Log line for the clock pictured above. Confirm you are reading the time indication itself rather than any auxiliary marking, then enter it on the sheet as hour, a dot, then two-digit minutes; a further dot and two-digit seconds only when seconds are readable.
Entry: 8.33
